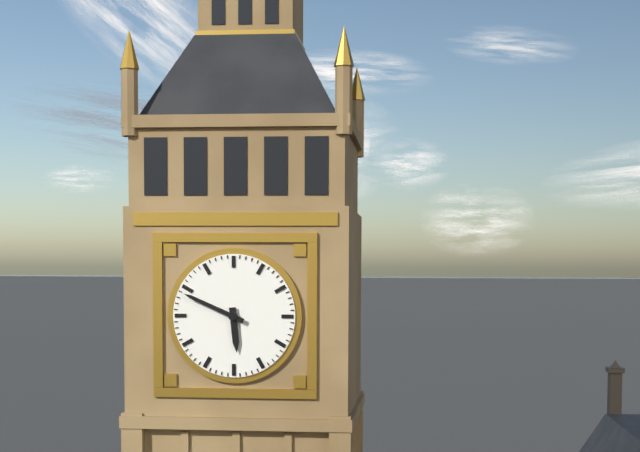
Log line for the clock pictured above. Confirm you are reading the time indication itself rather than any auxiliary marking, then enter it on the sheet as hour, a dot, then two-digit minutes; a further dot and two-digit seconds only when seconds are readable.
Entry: 5.49
